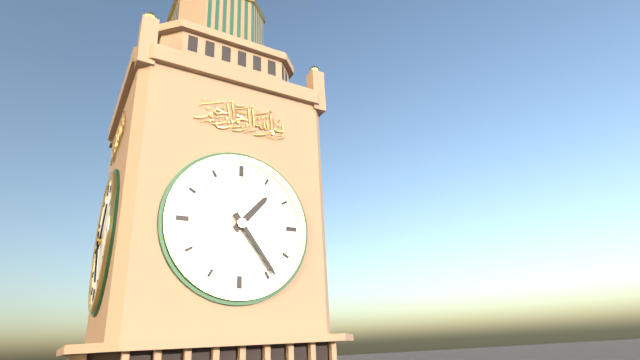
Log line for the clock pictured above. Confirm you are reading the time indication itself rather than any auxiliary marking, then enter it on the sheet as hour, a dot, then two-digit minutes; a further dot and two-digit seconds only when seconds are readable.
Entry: 1.24
